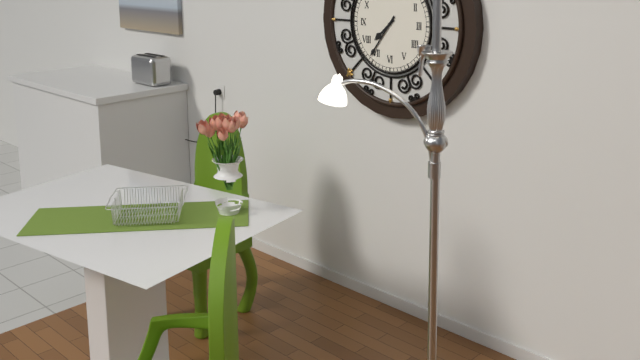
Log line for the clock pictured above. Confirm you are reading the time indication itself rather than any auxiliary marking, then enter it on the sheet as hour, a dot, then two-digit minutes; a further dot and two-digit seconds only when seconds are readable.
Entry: 7.36
